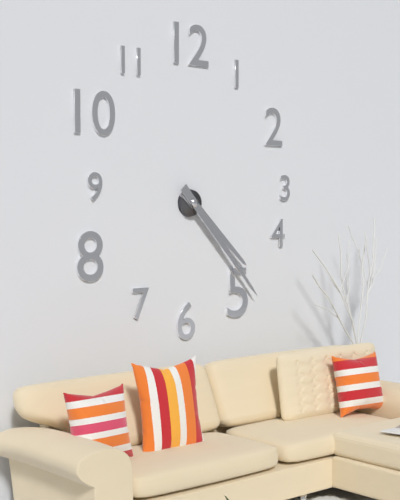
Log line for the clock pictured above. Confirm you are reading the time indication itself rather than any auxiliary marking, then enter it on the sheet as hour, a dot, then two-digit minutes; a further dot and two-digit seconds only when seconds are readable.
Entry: 4.23
